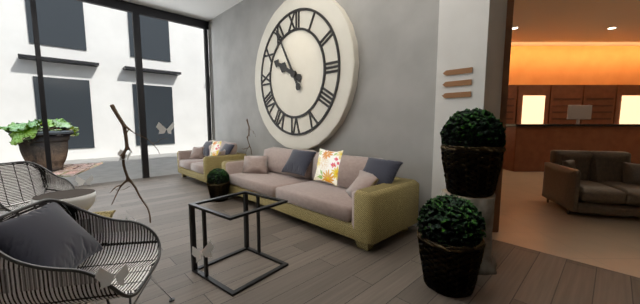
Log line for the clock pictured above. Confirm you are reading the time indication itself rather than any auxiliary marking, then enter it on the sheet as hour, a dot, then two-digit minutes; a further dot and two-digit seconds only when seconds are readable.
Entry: 9.55
